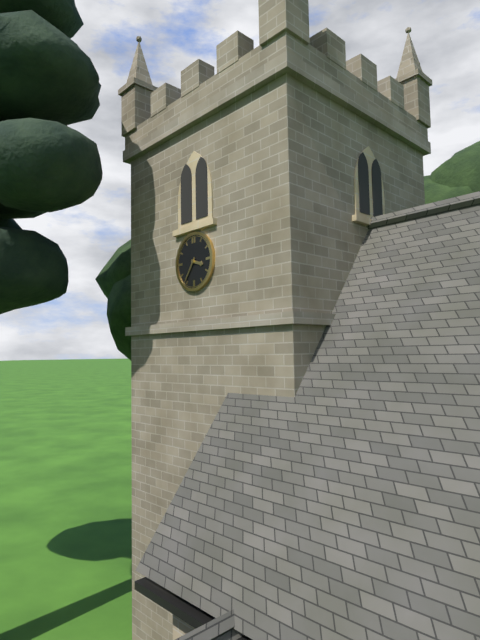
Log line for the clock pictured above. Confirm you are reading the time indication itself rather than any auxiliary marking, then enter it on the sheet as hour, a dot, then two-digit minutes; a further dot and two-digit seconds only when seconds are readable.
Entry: 3.36
